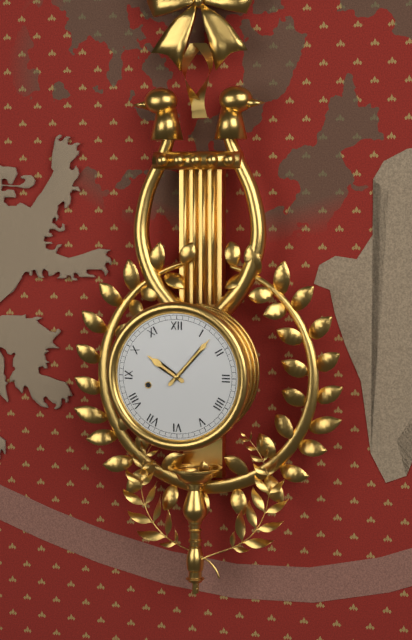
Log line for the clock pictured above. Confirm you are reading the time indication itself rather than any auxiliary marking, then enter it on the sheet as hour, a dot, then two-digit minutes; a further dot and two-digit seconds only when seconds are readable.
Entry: 10.07
